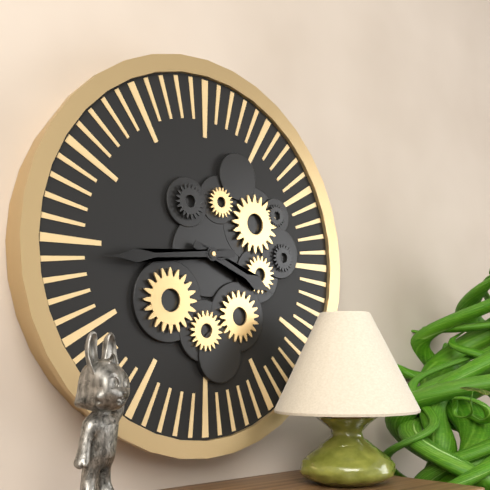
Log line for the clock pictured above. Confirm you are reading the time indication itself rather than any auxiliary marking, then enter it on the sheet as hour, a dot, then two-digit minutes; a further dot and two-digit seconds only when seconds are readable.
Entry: 3.44
